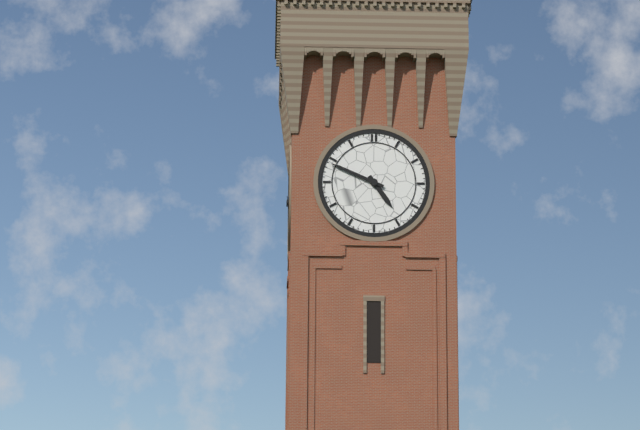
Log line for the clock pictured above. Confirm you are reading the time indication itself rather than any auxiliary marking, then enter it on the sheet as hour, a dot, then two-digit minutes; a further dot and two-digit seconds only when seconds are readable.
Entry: 4.49
